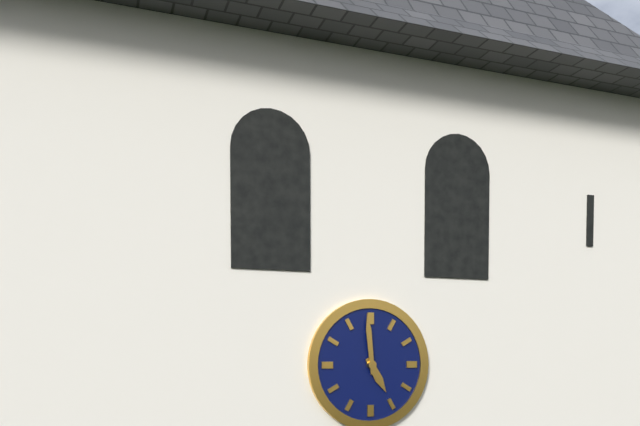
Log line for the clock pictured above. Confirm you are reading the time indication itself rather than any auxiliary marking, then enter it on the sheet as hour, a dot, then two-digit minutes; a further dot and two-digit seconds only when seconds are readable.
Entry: 4.59
